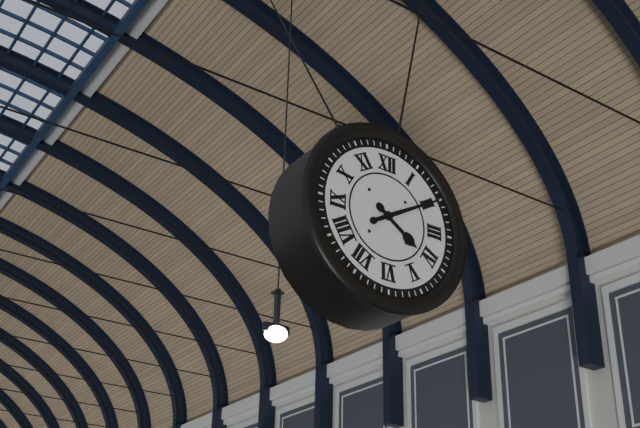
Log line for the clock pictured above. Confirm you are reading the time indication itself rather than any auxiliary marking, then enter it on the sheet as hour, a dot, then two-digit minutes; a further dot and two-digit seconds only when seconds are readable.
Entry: 4.10
